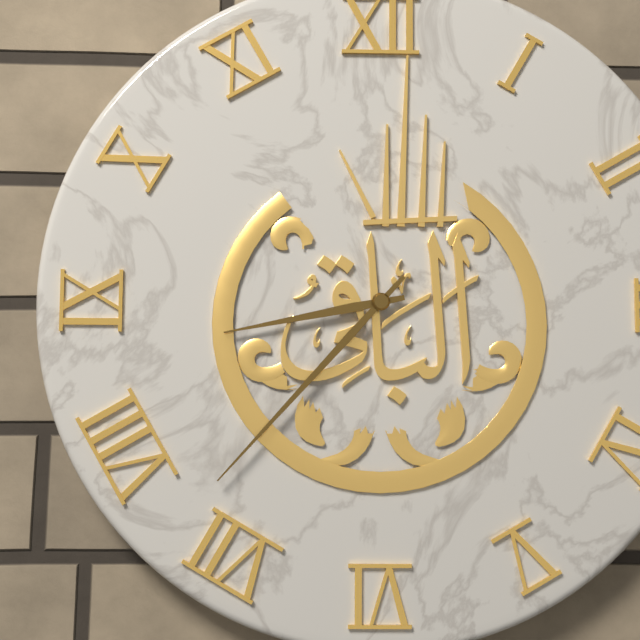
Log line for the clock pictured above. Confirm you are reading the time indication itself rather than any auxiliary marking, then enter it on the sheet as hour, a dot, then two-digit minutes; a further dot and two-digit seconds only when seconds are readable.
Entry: 8.37
